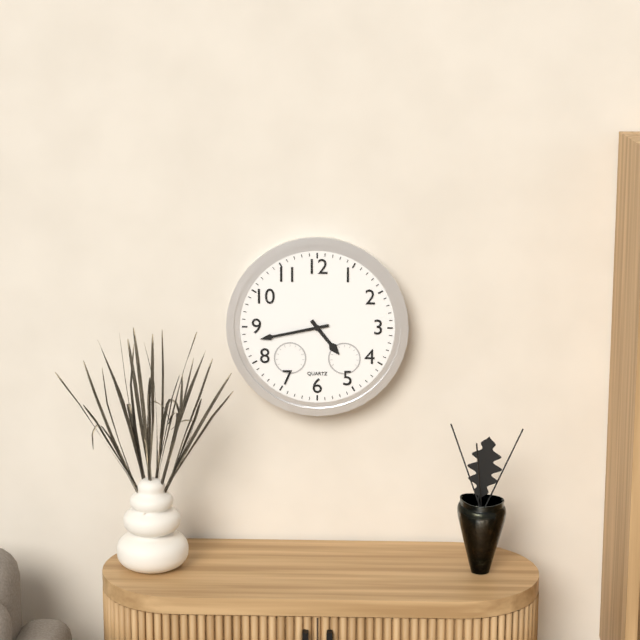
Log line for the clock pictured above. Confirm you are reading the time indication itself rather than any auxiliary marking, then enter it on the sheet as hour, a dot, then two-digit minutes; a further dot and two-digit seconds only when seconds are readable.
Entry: 4.43
